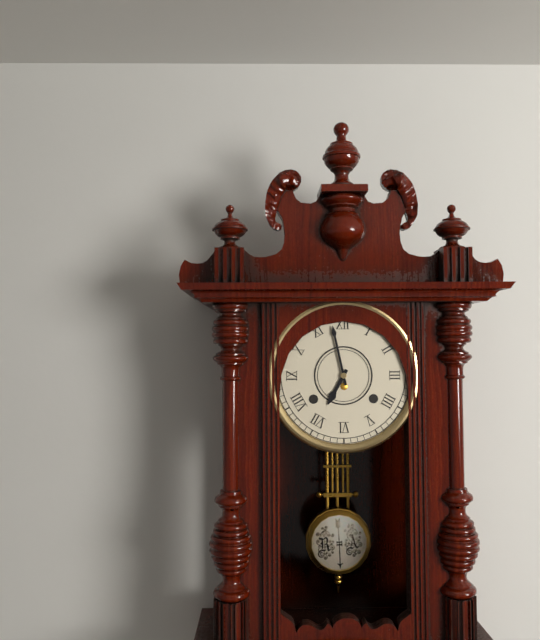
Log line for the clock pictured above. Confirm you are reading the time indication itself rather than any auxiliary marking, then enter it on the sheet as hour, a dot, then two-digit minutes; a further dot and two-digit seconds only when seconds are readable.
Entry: 6.58
